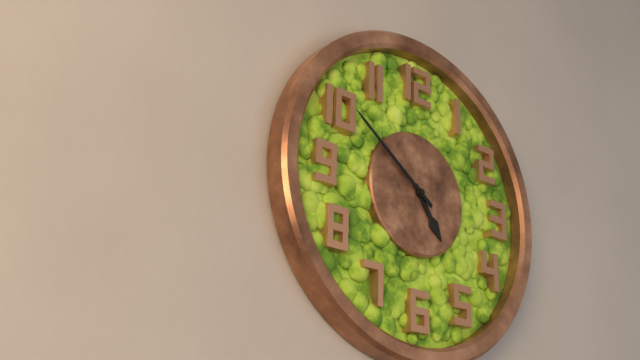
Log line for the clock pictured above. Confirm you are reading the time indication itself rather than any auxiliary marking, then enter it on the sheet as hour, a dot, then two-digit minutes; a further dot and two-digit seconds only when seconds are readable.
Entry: 4.51
